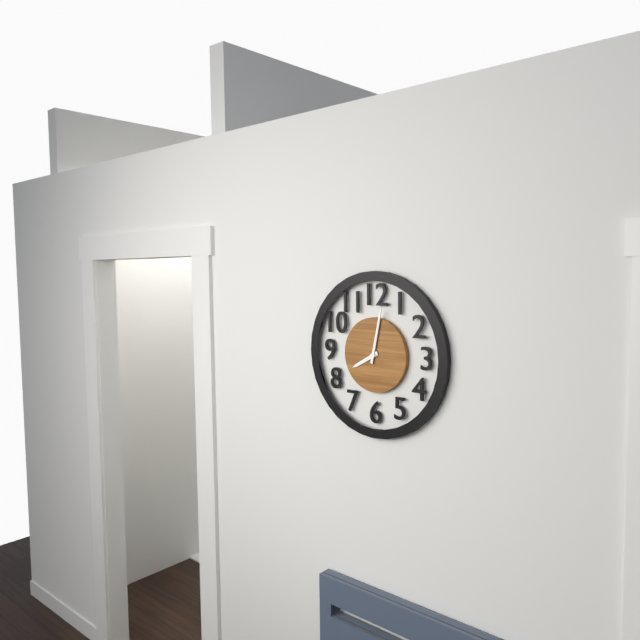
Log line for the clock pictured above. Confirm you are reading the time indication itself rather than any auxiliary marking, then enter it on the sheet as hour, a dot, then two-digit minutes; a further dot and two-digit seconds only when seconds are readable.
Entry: 8.02
